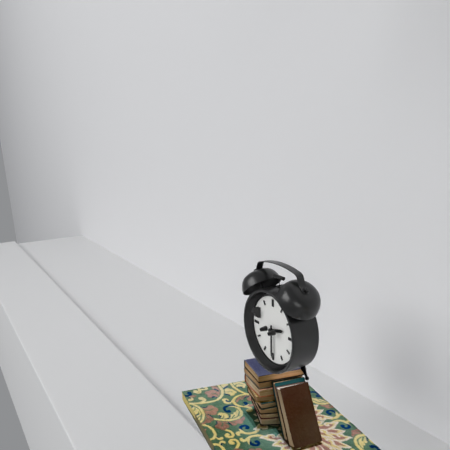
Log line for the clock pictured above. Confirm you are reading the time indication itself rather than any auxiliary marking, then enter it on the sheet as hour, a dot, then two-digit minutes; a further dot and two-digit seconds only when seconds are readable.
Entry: 2.30
